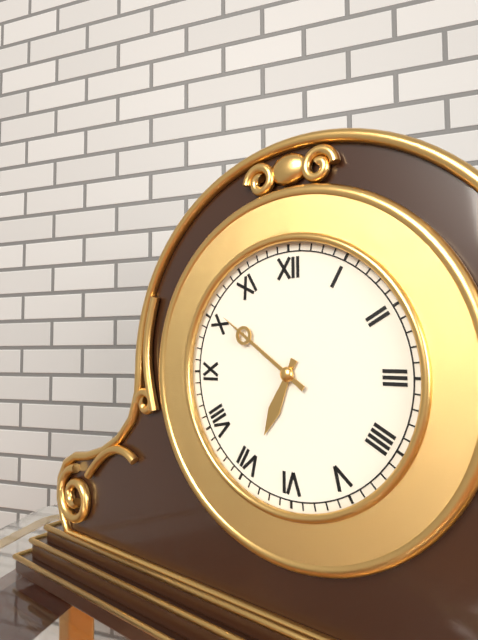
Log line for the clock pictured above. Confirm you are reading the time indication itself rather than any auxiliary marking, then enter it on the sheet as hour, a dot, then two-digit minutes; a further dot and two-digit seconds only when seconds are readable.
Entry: 6.51
